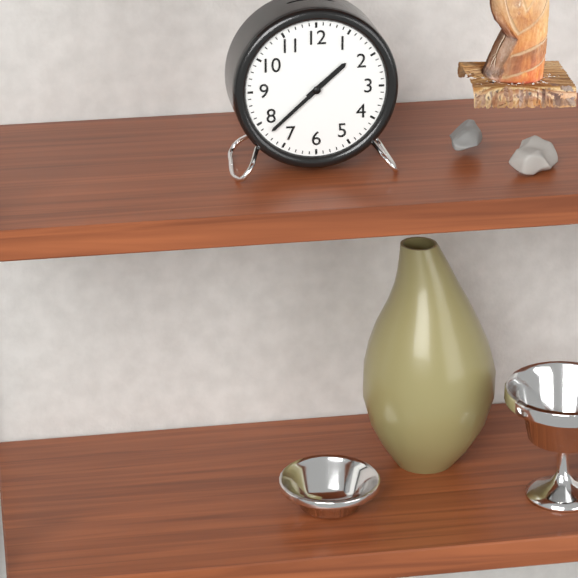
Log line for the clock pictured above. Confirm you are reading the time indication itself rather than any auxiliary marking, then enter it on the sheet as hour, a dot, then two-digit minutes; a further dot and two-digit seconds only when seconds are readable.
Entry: 1.38
